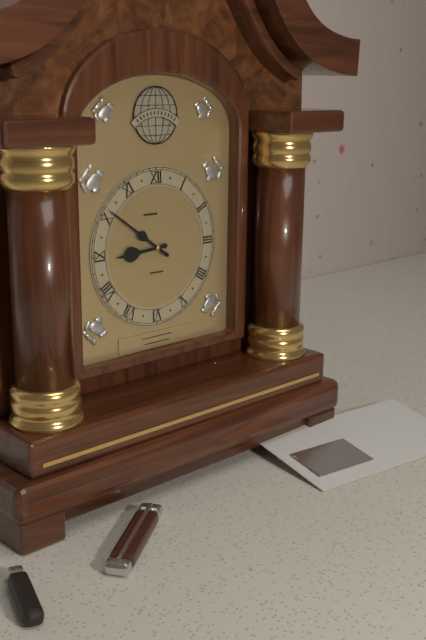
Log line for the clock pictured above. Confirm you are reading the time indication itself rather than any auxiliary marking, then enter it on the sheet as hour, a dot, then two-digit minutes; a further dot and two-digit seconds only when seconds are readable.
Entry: 8.51
